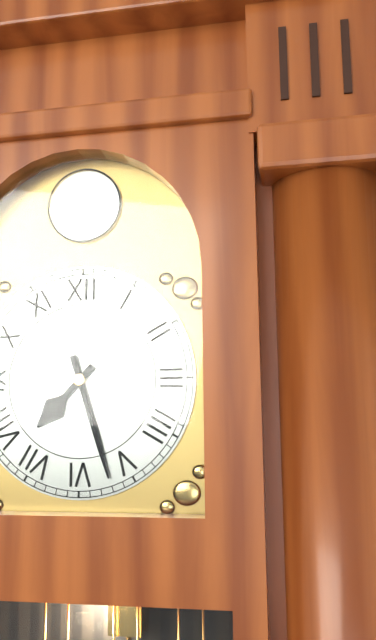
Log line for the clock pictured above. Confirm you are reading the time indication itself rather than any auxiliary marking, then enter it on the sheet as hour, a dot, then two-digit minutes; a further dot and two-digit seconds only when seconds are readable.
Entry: 7.27
